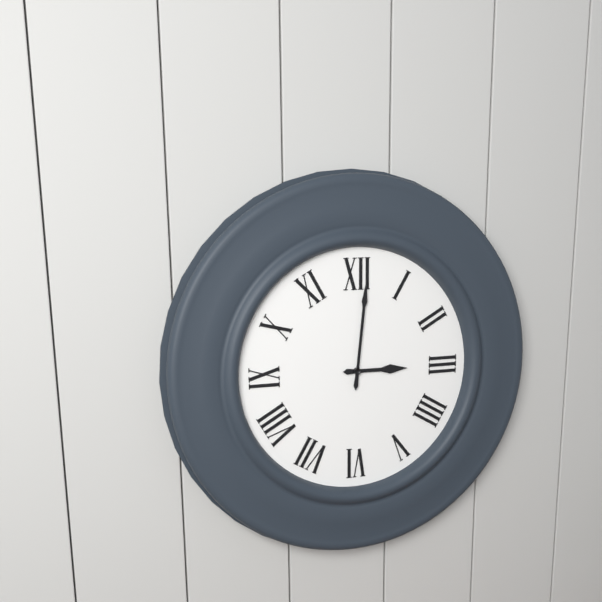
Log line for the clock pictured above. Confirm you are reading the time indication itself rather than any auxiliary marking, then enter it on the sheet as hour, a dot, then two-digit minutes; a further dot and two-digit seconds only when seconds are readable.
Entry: 3.01
